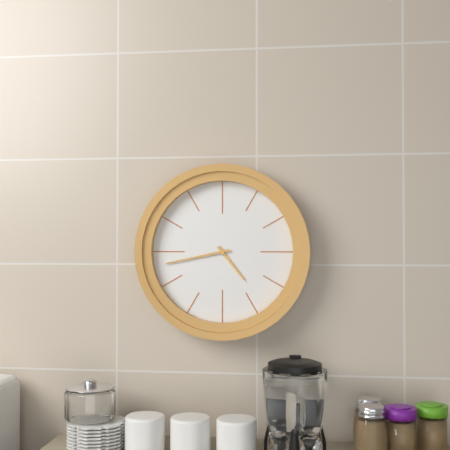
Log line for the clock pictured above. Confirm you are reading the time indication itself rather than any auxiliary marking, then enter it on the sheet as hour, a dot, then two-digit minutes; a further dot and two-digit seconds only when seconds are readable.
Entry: 4.43
